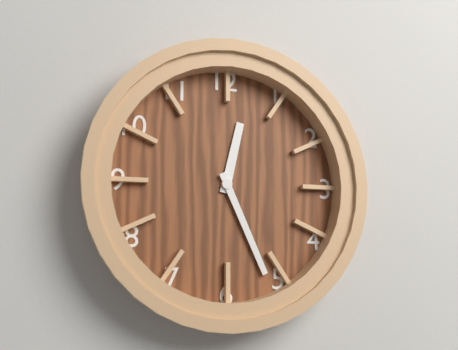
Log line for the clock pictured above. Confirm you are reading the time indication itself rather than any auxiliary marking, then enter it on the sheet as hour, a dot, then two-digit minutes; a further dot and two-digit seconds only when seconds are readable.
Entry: 12.26
